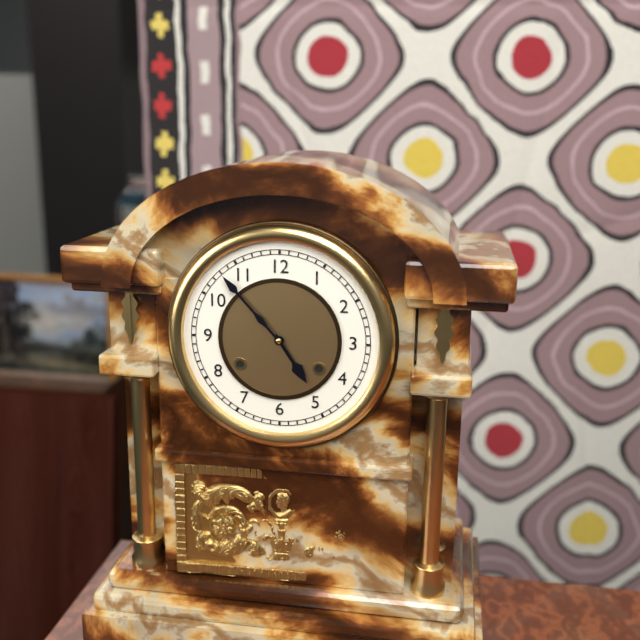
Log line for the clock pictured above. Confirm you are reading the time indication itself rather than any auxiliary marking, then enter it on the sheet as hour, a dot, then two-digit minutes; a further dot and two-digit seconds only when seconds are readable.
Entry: 4.53
